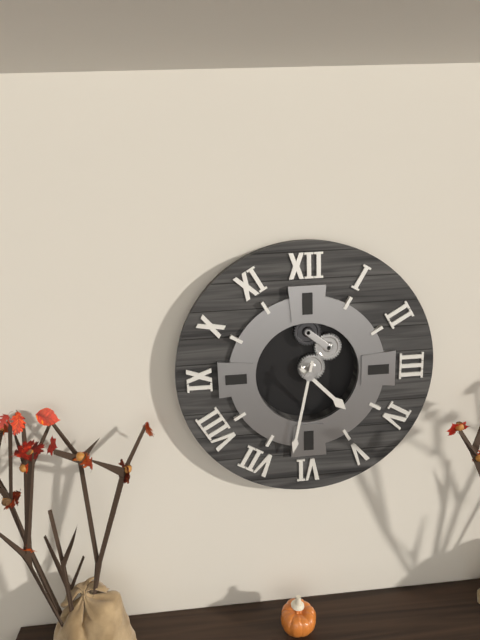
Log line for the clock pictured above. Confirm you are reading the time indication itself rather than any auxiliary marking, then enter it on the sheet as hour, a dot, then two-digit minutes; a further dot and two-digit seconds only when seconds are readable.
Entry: 4.32
